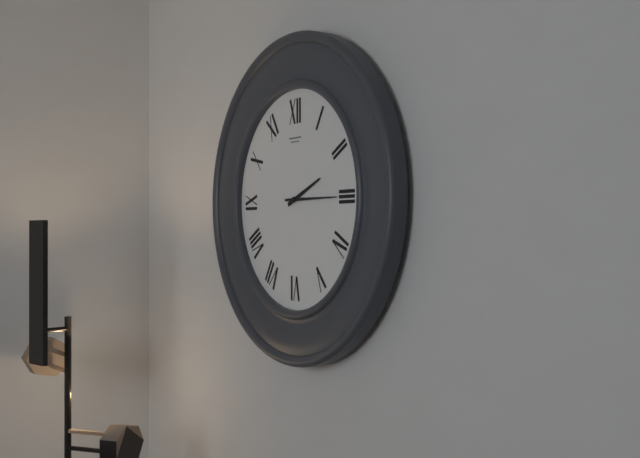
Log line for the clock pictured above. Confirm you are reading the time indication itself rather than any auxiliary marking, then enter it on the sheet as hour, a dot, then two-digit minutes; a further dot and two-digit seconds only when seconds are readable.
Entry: 2.15
